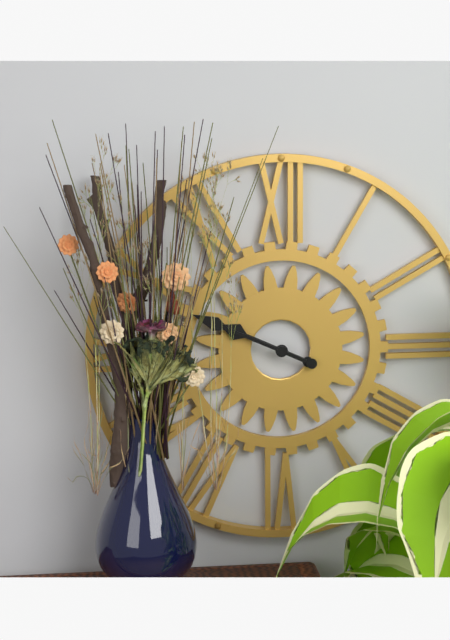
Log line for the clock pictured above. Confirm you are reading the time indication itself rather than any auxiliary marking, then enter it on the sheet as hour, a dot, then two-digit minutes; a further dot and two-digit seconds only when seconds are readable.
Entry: 9.49
